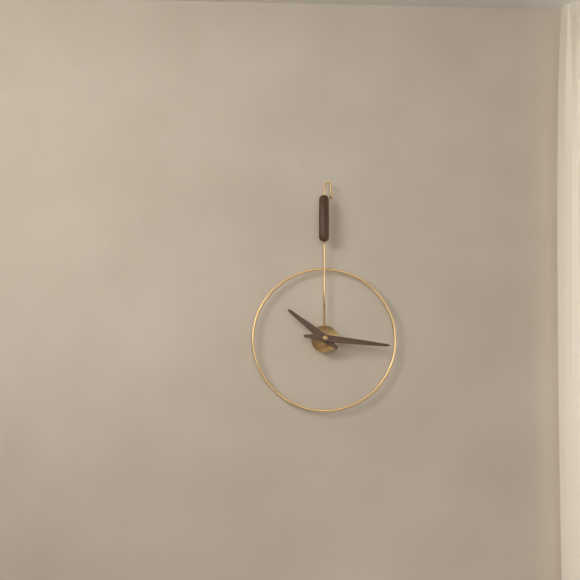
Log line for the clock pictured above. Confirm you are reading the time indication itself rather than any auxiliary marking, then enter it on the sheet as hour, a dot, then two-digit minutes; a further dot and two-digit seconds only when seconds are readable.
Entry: 10.16
